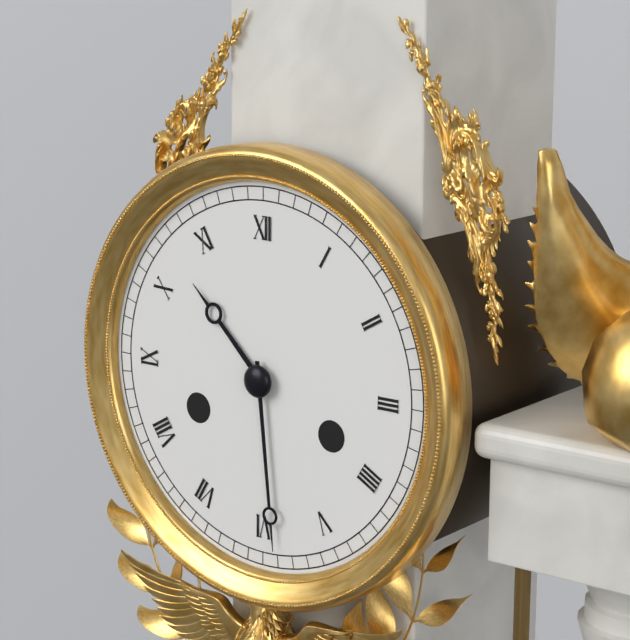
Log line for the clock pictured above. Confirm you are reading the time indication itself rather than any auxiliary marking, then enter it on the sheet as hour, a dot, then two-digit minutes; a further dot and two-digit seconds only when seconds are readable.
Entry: 10.29
